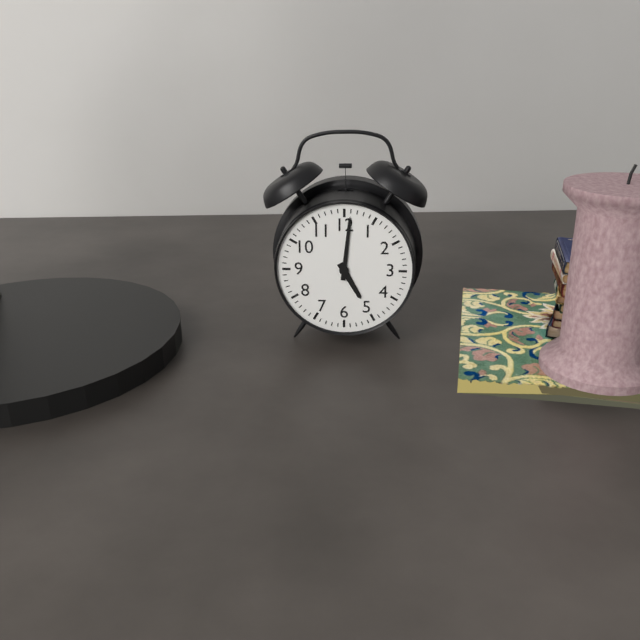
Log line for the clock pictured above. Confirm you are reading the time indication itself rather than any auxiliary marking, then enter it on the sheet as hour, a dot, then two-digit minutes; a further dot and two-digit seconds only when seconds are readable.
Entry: 5.01
